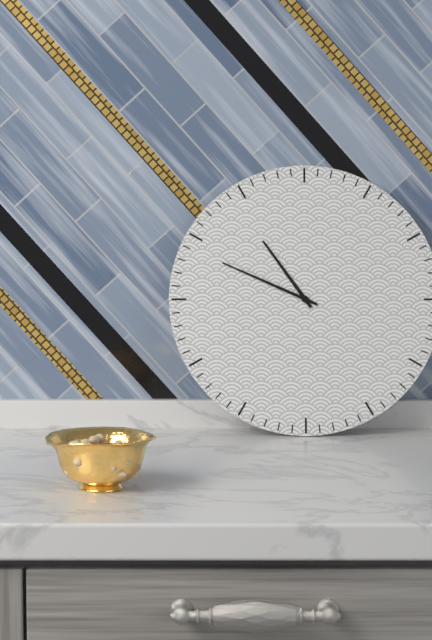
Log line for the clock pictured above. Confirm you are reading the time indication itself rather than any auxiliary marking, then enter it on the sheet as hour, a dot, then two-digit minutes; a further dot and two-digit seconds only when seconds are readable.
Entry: 10.49
